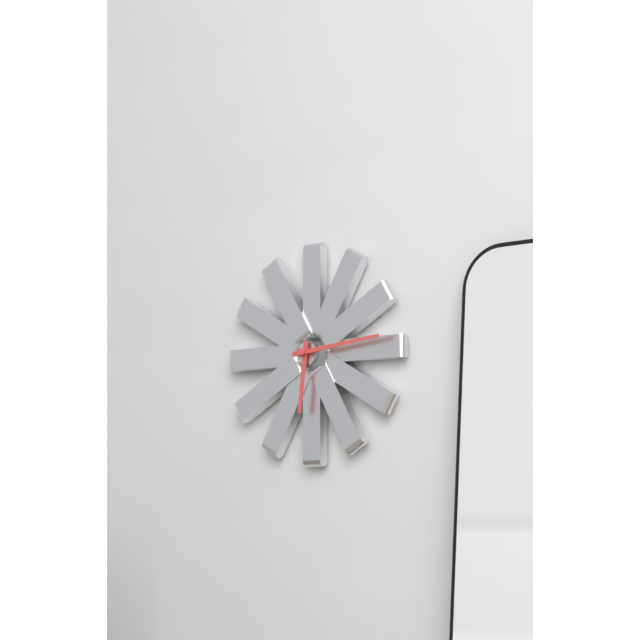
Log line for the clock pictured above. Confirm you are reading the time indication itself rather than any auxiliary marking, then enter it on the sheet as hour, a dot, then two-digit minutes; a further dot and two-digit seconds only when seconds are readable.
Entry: 6.14
